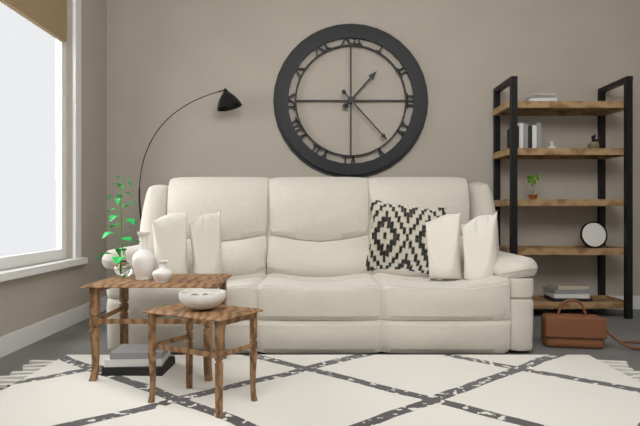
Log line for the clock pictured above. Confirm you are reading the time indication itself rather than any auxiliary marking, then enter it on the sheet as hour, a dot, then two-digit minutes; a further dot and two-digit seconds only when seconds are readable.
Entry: 1.23
